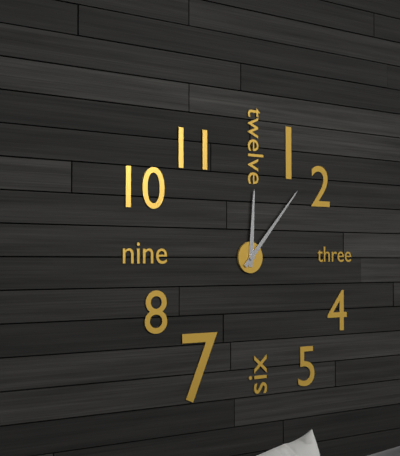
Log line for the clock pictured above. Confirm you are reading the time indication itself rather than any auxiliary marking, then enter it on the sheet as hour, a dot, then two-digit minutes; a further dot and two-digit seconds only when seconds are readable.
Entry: 12.07
